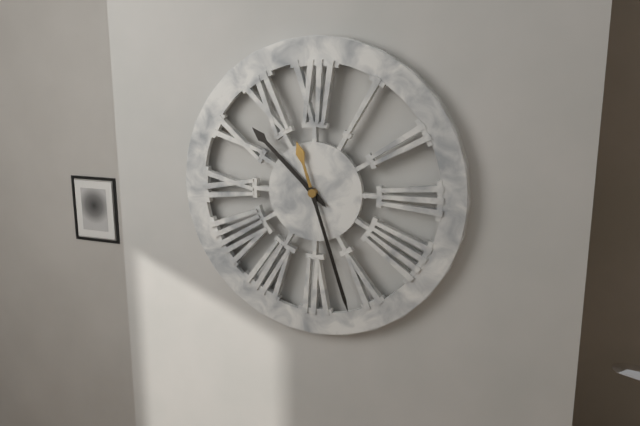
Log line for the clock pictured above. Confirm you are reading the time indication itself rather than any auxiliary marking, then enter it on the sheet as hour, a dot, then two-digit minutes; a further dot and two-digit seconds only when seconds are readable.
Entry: 10.27
